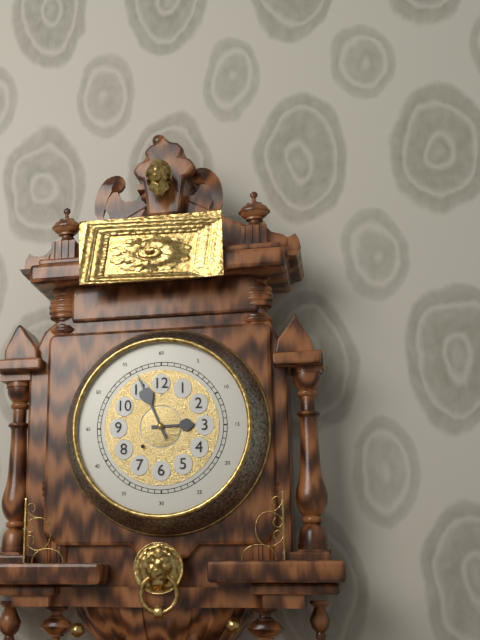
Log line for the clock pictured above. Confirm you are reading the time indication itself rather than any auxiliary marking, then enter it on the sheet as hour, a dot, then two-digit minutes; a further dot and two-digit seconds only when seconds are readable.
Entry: 2.56
